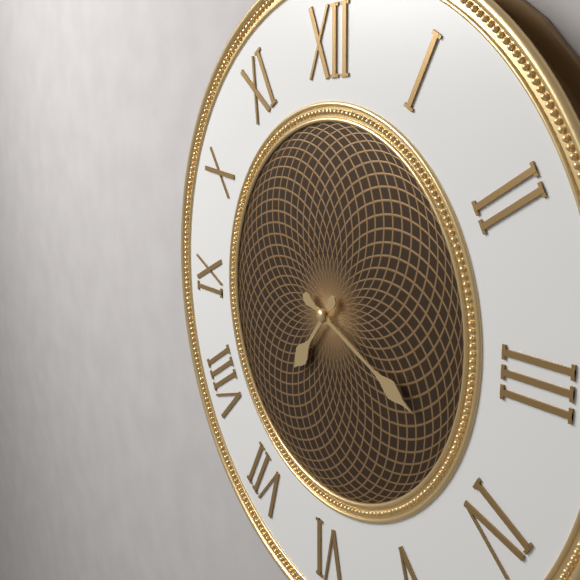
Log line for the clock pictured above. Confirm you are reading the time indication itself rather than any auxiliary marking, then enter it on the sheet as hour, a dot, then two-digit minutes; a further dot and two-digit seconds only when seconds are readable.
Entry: 7.19
